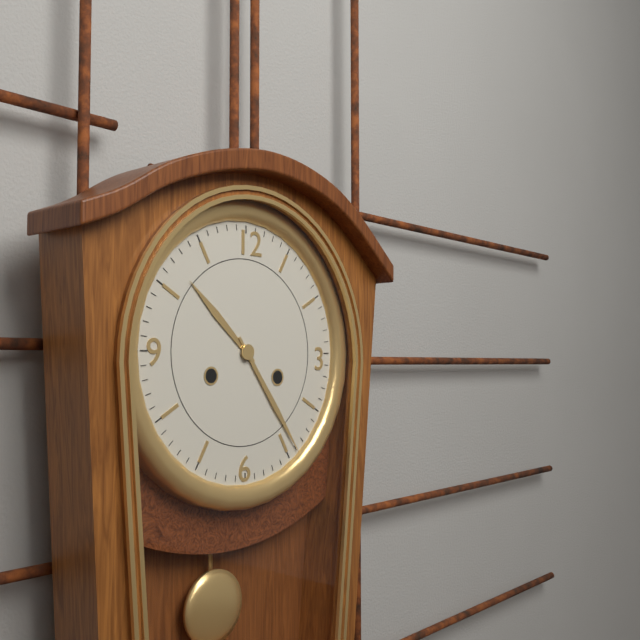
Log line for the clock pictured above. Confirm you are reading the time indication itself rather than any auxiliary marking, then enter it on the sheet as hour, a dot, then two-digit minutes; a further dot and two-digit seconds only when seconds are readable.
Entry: 10.24
